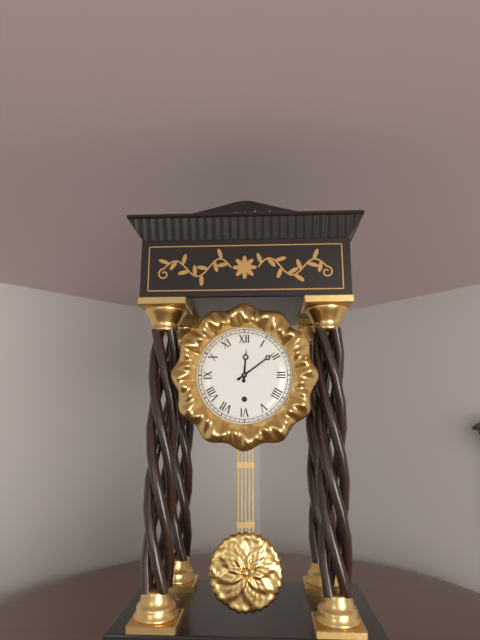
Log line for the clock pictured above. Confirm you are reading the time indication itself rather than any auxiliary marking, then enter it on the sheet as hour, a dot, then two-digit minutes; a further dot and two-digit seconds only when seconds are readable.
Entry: 12.09
